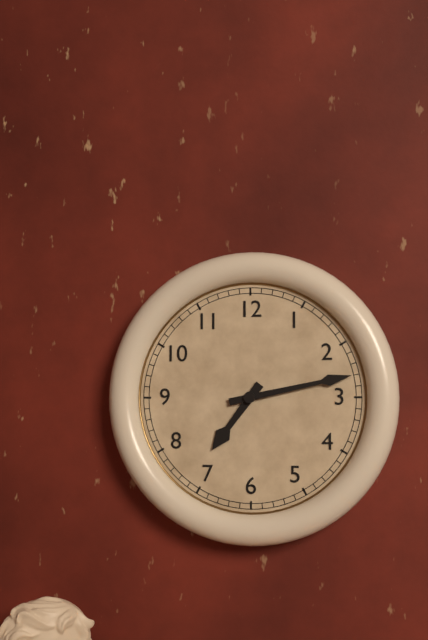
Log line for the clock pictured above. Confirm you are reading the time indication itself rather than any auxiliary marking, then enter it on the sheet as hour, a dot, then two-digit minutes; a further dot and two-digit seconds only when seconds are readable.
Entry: 7.13
